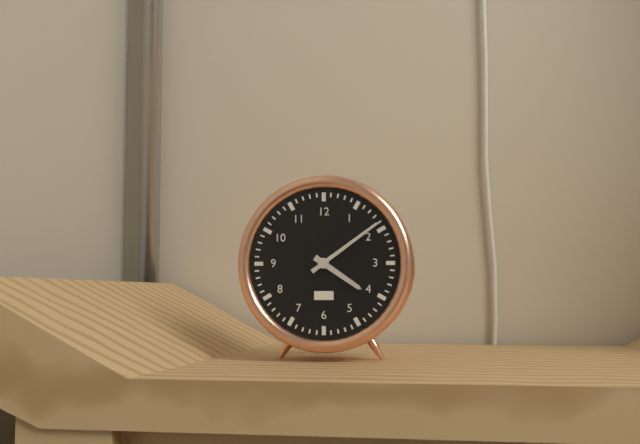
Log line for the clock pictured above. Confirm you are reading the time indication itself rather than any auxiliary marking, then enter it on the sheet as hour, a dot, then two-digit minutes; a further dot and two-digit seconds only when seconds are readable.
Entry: 4.09
